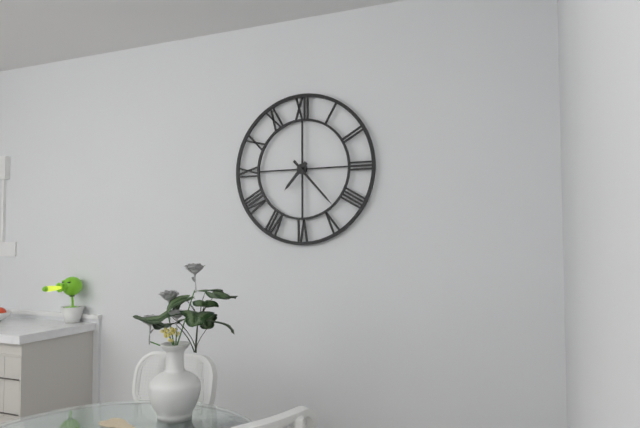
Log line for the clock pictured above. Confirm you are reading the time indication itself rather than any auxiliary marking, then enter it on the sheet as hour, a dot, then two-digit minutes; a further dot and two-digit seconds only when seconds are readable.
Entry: 7.23
